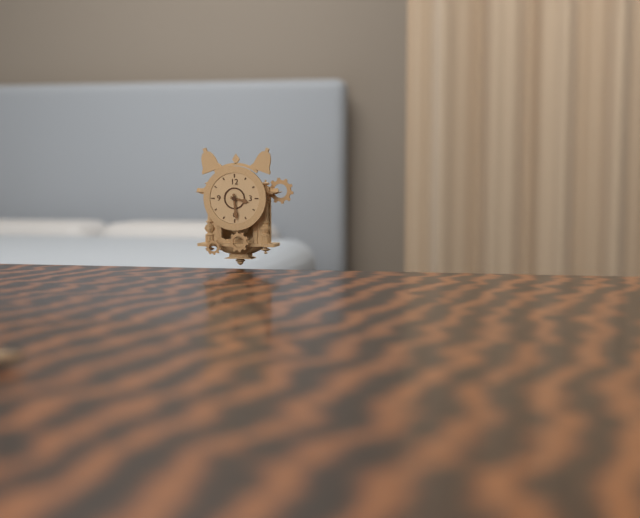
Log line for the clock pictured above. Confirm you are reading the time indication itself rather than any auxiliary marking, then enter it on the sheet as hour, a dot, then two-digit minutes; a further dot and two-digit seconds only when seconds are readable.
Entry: 3.29
